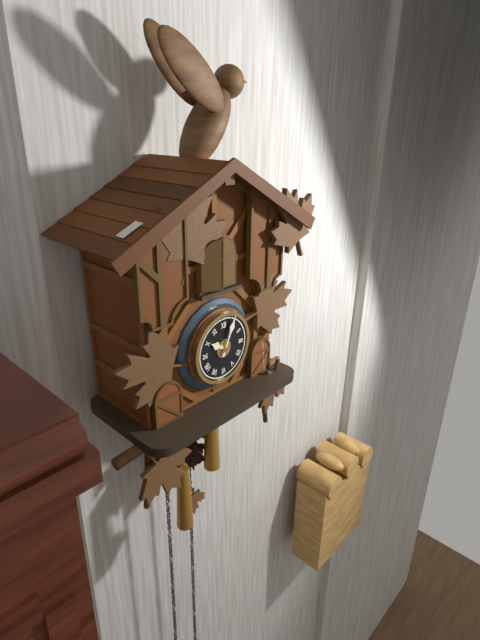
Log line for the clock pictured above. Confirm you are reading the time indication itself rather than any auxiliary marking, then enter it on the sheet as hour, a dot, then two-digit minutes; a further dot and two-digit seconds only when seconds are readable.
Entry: 10.04
